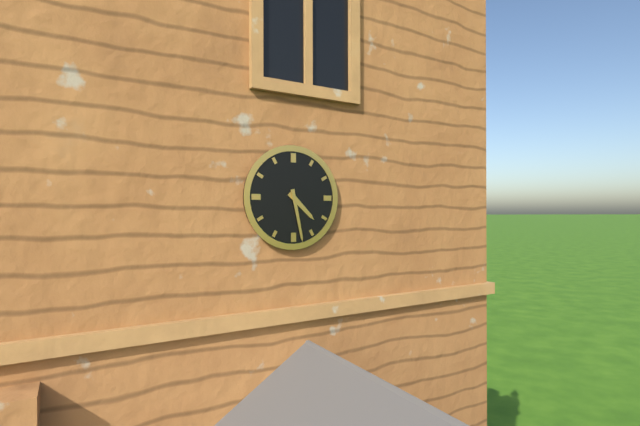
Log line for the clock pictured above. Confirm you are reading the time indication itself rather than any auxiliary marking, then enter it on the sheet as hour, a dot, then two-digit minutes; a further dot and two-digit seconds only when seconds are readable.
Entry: 4.28
